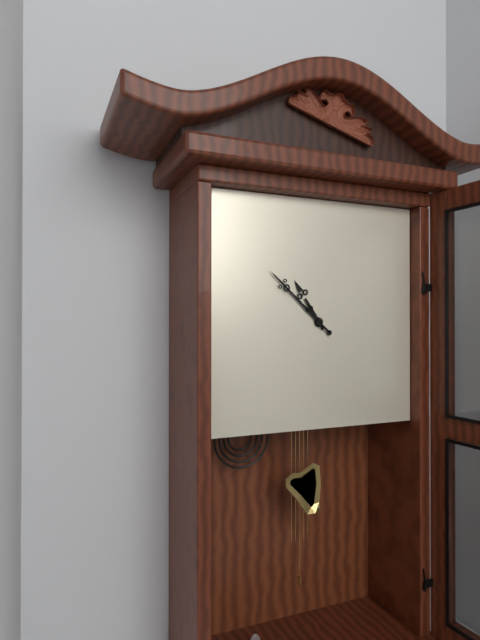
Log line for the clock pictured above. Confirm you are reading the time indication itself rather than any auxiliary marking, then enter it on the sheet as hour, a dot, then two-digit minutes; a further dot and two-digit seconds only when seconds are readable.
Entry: 10.52
